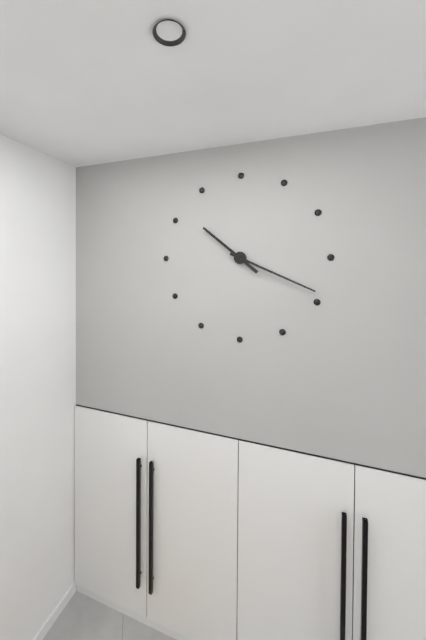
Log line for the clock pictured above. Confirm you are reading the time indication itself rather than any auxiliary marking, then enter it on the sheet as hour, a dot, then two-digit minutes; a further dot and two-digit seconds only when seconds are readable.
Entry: 10.19
